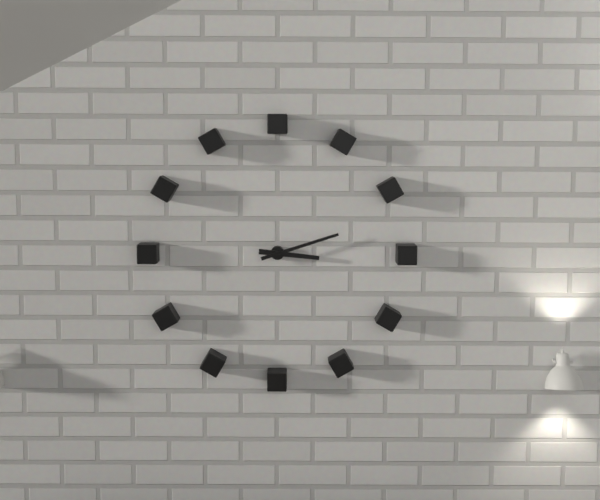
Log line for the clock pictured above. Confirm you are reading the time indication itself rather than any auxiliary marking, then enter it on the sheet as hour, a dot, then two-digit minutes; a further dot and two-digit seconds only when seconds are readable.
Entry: 3.12
